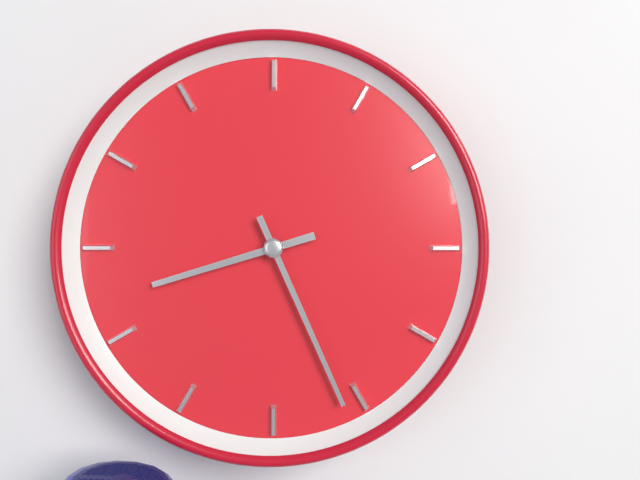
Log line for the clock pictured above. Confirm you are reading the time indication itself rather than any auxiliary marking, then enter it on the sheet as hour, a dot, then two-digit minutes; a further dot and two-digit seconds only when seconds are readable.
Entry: 8.26
